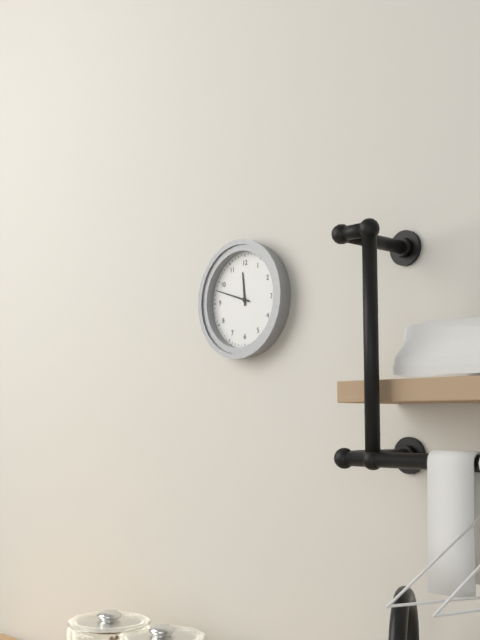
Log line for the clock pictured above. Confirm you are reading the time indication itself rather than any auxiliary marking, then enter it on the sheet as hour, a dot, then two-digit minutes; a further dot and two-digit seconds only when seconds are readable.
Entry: 11.48
